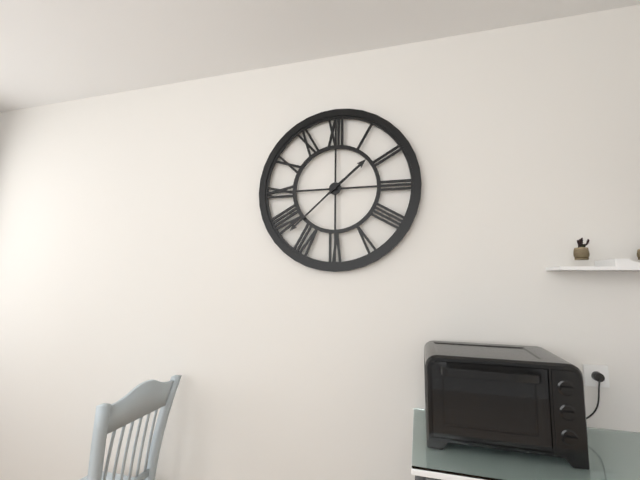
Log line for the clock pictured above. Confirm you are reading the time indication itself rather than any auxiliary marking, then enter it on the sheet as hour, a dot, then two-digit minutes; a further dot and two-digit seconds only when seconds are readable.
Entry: 1.38
